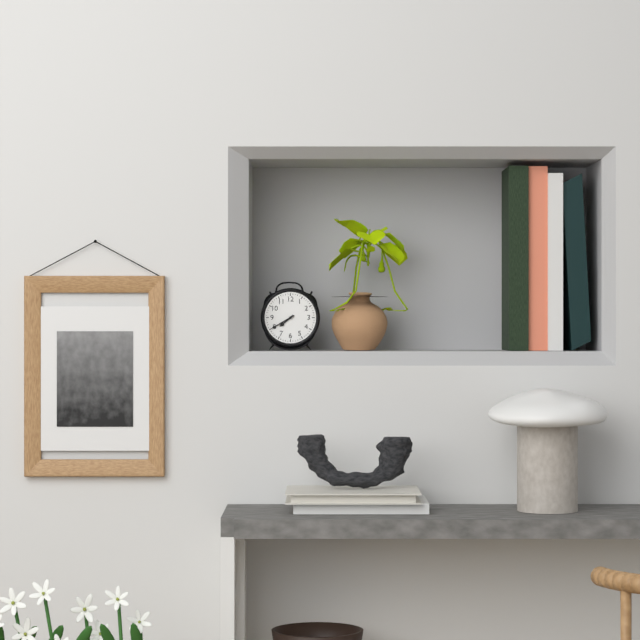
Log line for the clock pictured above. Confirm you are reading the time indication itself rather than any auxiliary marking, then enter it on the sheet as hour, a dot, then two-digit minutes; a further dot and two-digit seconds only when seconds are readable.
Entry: 7.40
